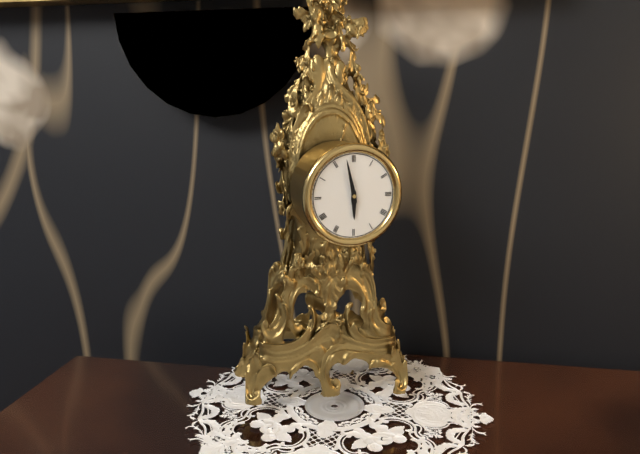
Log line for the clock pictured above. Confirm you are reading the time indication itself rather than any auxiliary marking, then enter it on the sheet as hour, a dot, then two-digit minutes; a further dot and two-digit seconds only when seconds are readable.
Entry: 5.58
